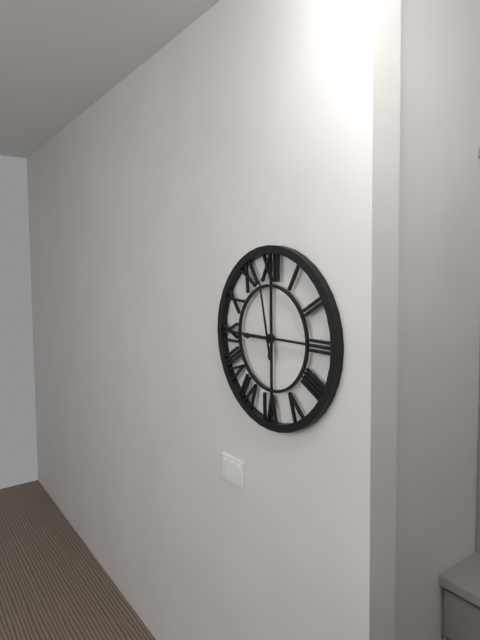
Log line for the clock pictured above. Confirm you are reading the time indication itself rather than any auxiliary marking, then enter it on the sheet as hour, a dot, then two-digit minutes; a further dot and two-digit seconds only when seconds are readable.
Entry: 8.58
